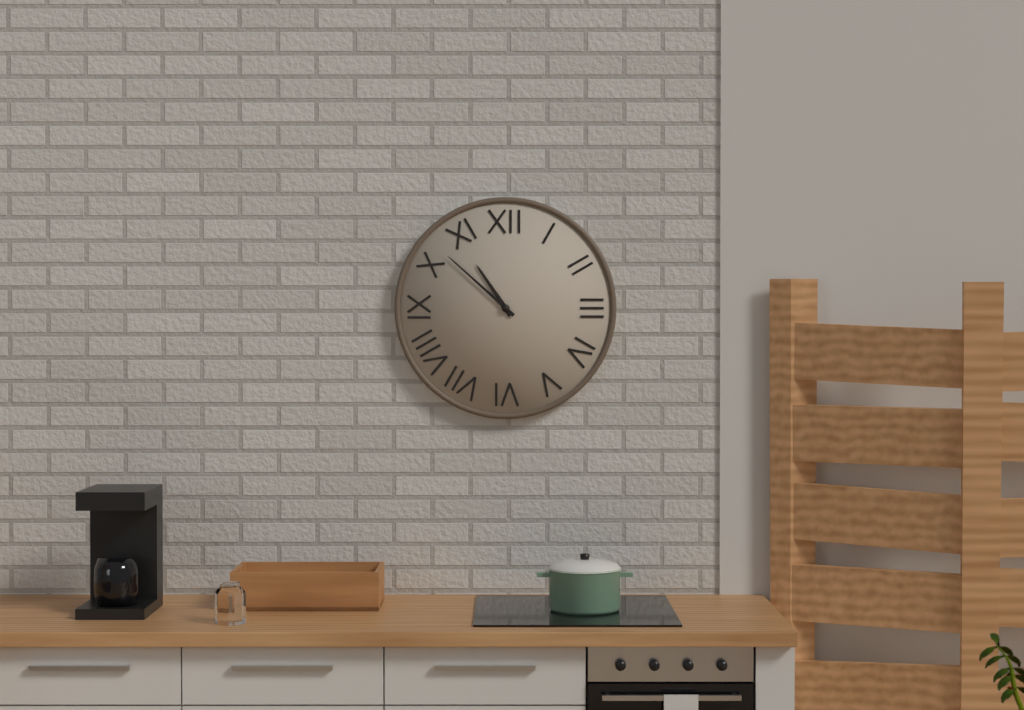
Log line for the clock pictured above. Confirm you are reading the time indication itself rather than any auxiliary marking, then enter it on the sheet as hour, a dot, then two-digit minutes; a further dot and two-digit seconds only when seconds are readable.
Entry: 10.52
